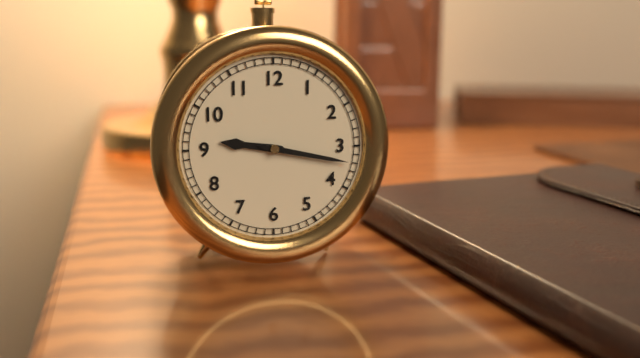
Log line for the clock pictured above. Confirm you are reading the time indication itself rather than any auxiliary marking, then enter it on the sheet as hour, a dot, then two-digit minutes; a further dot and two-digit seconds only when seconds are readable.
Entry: 9.17
